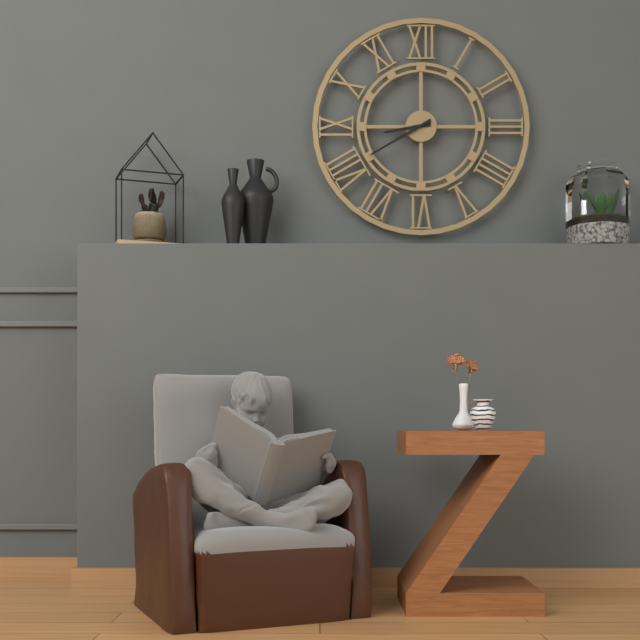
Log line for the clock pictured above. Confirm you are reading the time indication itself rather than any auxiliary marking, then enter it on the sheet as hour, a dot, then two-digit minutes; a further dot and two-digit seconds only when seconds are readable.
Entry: 8.40
